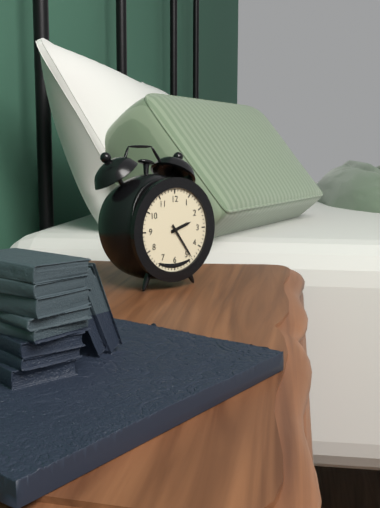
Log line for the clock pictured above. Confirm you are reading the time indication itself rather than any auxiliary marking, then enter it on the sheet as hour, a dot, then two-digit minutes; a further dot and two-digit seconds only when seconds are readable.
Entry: 2.24
